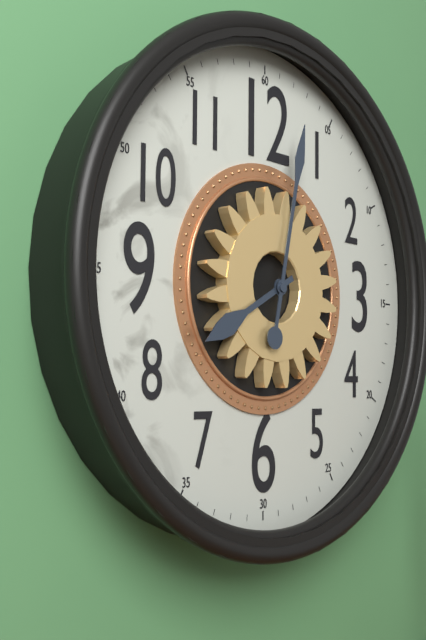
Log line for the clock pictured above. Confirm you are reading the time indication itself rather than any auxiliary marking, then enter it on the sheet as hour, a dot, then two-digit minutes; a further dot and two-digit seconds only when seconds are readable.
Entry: 8.02
